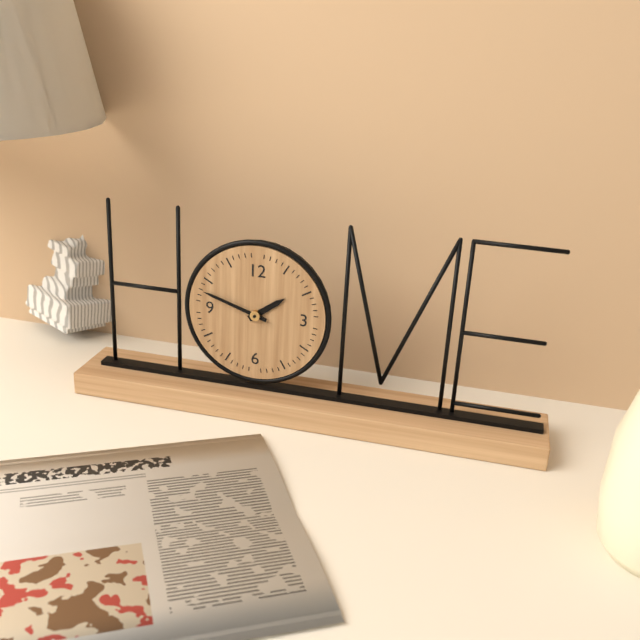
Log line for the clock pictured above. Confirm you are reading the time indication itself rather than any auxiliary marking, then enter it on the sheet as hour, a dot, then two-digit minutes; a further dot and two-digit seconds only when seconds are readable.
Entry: 1.48
